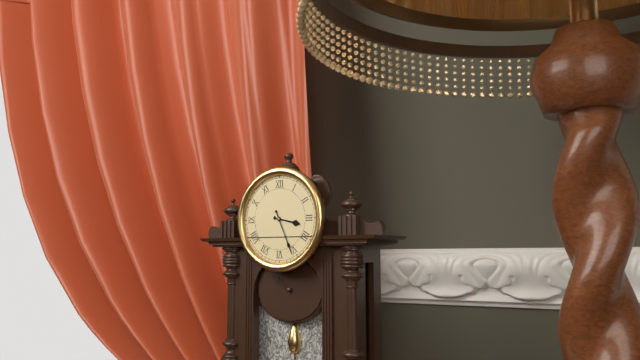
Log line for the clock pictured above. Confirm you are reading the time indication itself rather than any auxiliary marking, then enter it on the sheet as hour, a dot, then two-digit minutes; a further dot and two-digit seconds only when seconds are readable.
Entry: 3.26
